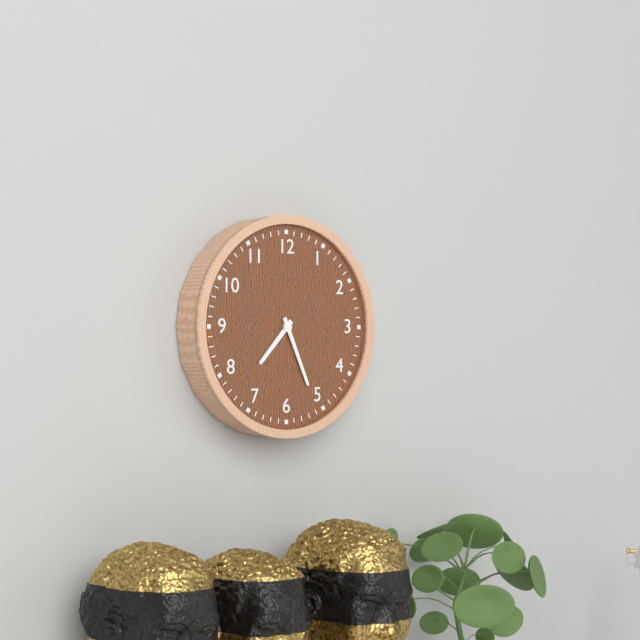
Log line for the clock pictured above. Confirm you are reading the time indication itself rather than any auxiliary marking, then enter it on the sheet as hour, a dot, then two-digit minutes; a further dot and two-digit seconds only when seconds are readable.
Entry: 7.26
